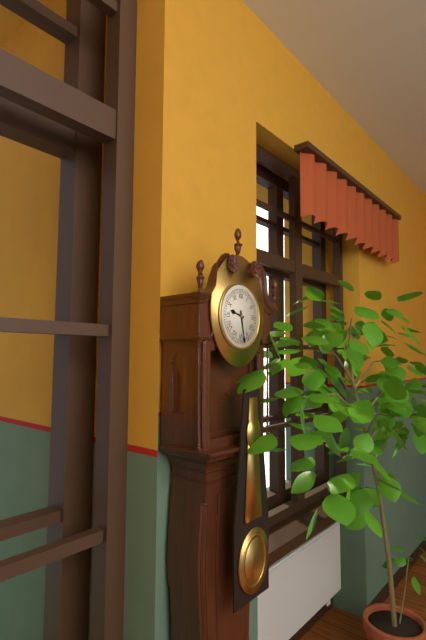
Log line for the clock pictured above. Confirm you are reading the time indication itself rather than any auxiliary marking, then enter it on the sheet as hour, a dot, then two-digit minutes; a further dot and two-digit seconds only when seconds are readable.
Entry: 9.28
